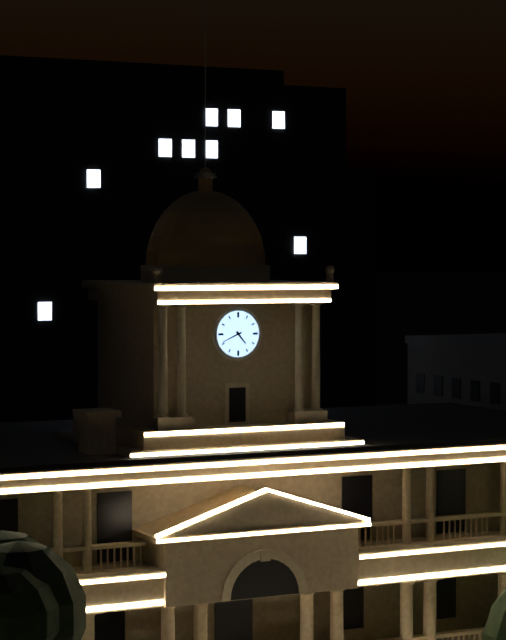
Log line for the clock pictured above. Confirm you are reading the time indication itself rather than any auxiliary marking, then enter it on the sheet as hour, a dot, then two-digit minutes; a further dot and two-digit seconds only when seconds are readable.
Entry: 4.41
